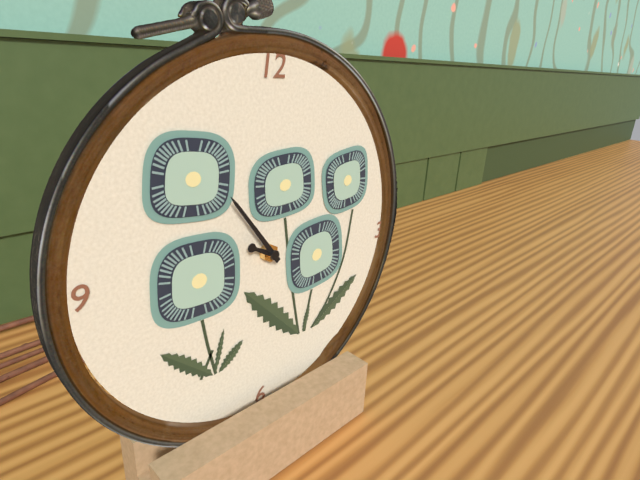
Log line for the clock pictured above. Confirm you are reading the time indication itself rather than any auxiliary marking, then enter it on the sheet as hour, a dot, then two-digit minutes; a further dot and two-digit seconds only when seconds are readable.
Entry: 9.54
